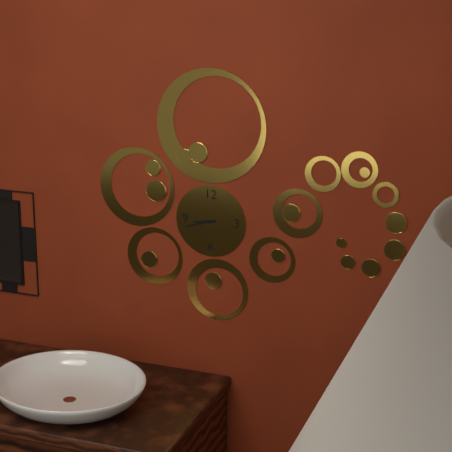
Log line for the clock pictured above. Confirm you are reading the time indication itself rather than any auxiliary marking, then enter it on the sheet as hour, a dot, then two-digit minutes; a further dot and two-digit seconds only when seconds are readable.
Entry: 8.42
